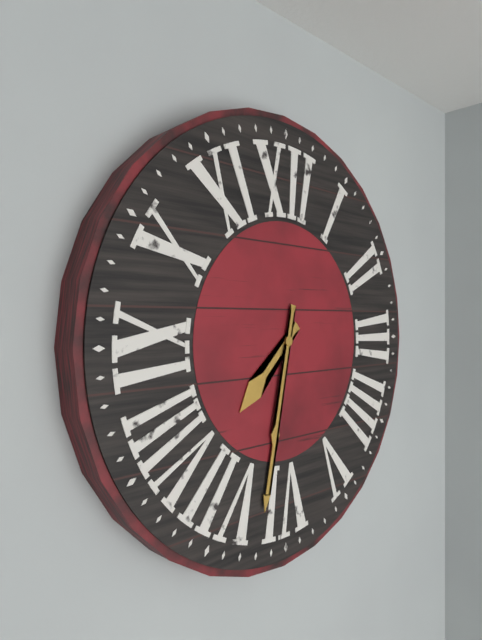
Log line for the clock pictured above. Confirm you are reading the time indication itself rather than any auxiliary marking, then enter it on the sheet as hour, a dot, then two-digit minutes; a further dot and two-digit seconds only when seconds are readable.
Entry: 7.32
